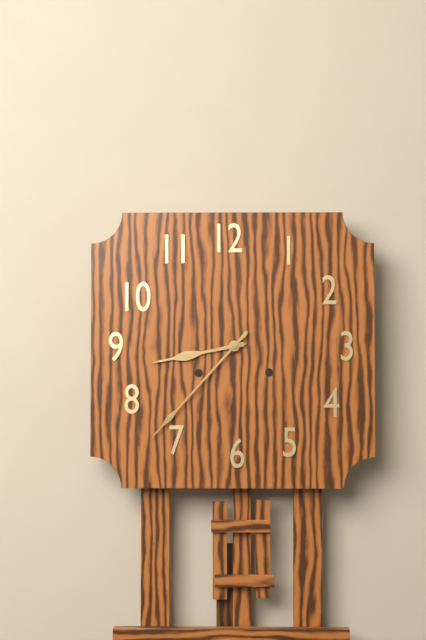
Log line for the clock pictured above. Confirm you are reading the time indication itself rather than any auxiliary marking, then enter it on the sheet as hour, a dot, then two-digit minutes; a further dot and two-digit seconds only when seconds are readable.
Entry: 8.37
